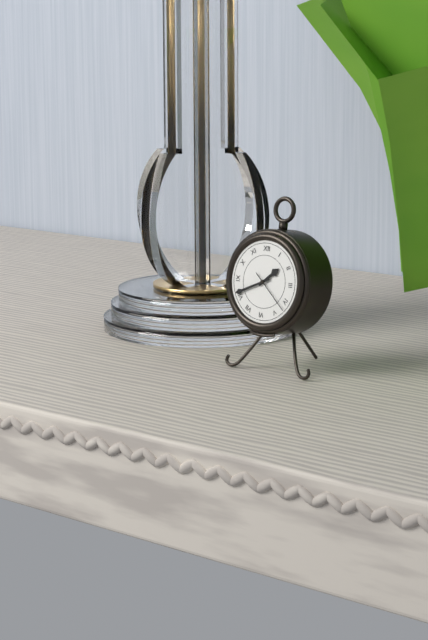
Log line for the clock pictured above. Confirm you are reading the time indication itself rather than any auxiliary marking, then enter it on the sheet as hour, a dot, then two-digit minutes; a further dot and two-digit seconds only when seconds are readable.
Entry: 1.41
